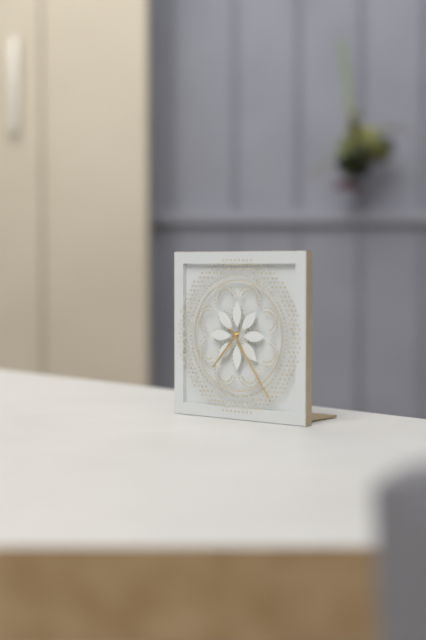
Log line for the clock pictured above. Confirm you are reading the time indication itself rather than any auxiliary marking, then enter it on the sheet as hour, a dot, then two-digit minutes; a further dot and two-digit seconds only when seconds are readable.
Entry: 7.24
